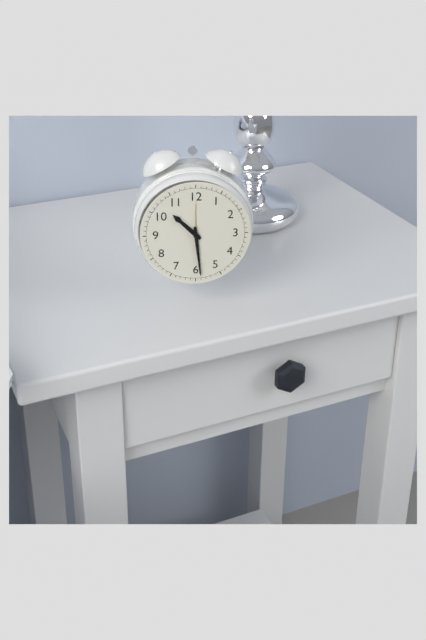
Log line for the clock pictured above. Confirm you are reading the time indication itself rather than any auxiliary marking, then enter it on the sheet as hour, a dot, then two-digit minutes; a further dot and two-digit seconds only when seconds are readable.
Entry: 10.29
